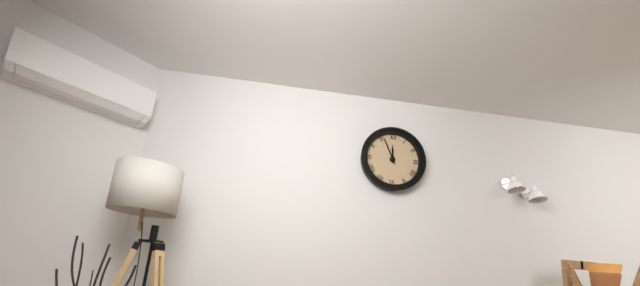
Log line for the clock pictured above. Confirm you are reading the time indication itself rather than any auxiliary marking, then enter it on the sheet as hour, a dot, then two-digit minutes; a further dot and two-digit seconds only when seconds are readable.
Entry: 11.56
